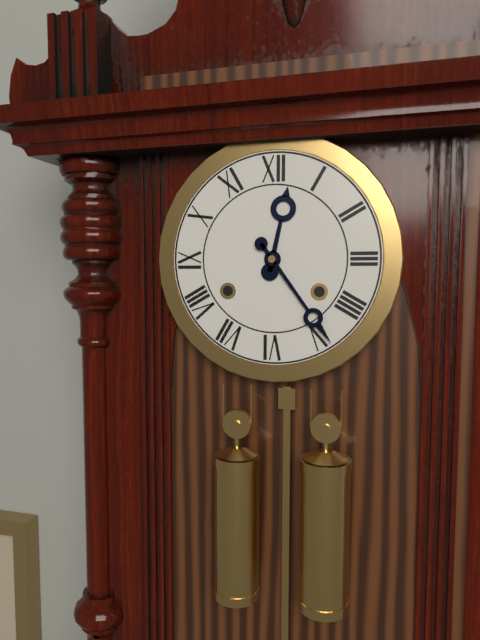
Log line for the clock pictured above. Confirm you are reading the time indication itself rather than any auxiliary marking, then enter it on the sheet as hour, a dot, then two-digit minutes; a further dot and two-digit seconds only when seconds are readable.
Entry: 12.24
